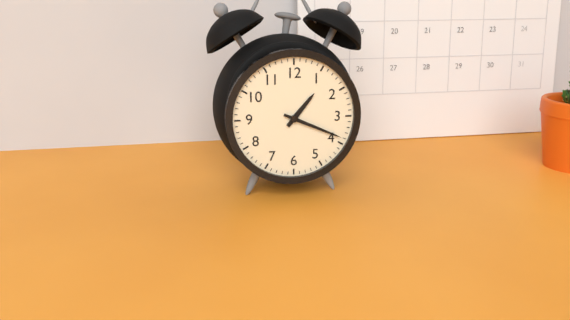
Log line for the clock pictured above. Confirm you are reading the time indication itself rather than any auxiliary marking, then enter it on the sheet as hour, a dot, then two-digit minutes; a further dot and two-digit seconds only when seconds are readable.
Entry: 1.19
